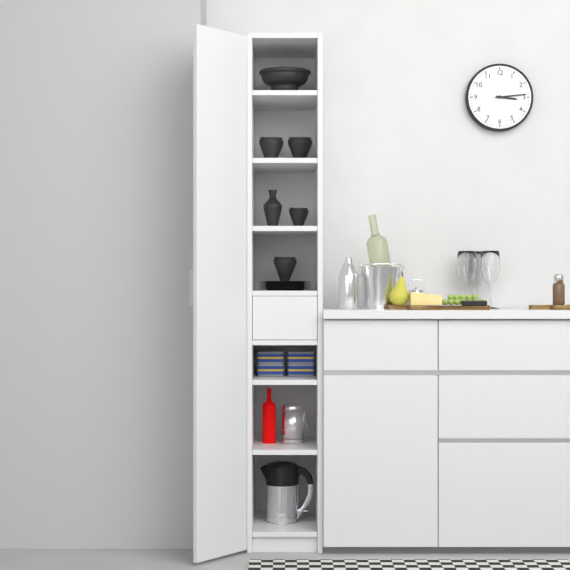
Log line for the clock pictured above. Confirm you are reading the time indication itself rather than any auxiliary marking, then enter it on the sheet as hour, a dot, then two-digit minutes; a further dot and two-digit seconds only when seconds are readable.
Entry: 3.14
